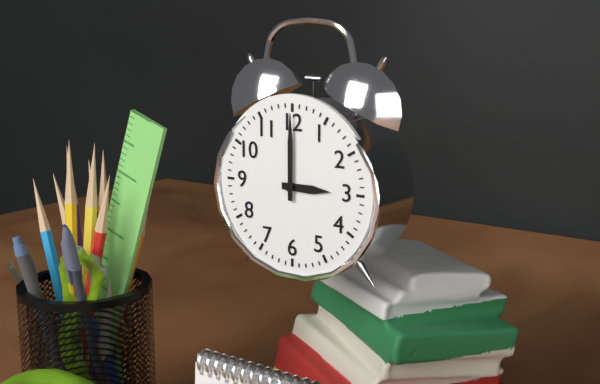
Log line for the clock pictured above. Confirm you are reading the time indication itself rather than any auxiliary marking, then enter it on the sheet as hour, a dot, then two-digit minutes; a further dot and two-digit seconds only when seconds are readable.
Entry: 3.00
